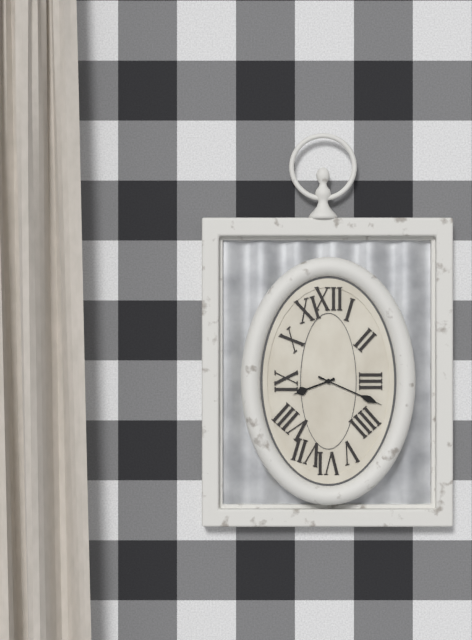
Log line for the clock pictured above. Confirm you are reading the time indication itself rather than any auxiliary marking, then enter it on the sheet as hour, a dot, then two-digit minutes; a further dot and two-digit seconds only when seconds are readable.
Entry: 8.19
